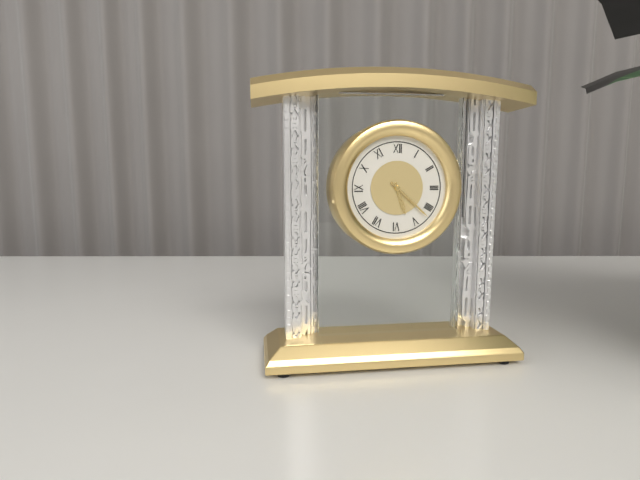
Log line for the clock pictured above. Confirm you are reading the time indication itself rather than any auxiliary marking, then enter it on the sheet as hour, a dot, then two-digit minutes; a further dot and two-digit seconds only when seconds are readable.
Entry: 5.22
